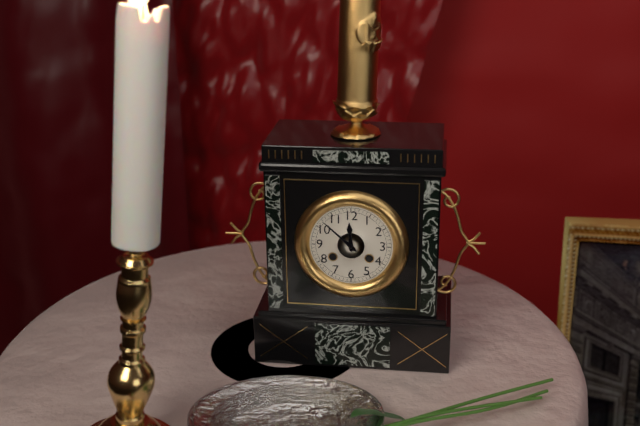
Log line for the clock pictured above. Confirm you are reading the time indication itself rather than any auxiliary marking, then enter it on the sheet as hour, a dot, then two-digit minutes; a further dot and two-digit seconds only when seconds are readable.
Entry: 11.52
